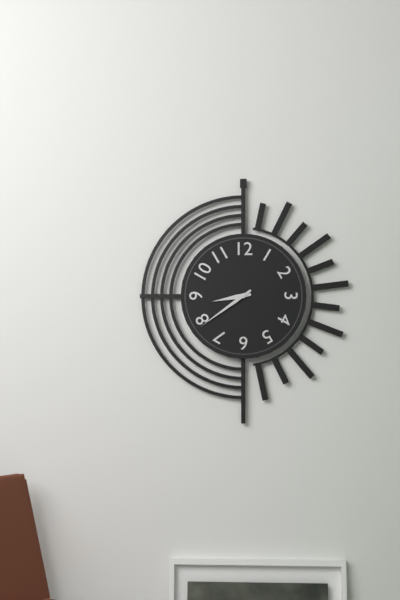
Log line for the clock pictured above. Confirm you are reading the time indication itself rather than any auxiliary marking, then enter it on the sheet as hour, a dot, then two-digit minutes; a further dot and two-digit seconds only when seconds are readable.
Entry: 8.39
